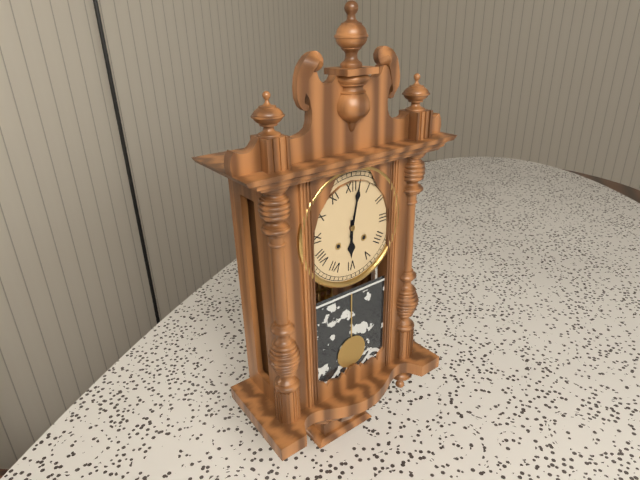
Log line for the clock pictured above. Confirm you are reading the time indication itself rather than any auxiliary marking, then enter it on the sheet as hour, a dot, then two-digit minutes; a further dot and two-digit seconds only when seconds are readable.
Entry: 6.02
